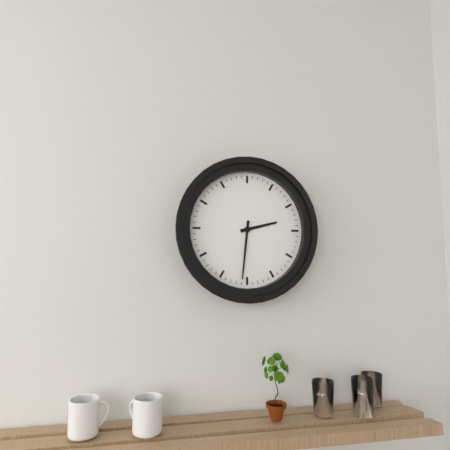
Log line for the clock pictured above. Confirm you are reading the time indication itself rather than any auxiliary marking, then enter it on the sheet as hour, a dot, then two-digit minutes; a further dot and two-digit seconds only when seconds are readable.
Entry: 2.31
